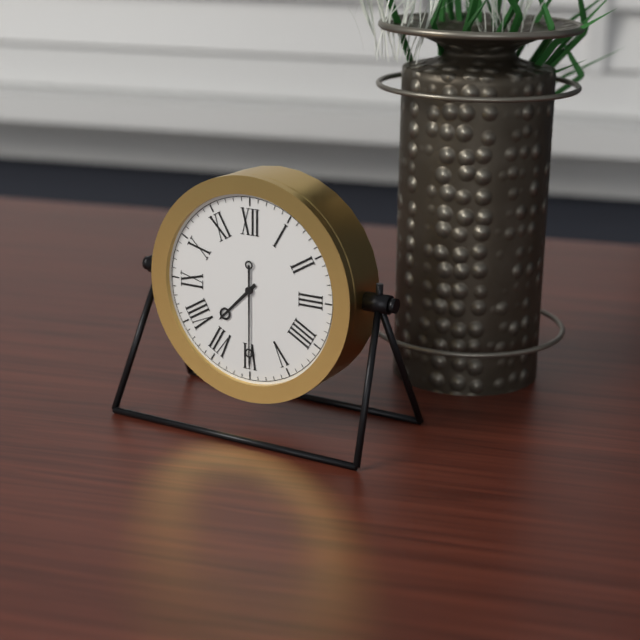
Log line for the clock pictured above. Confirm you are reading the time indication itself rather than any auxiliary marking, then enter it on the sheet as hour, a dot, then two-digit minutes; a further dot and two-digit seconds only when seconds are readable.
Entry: 7.30
